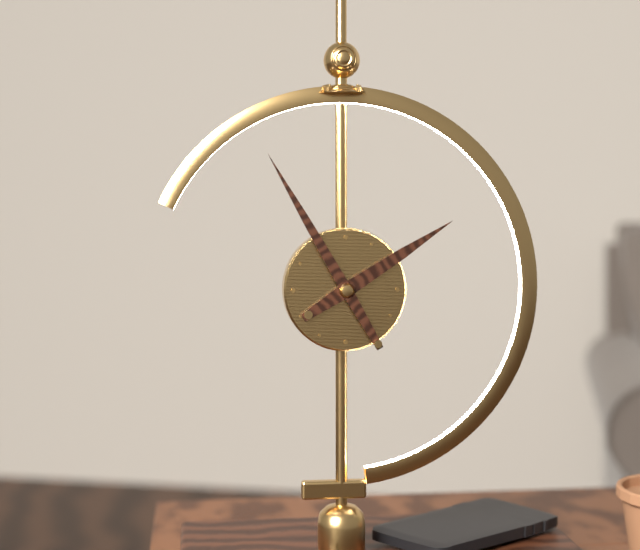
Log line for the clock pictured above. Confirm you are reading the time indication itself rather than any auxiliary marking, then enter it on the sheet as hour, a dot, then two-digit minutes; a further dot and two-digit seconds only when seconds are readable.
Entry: 1.55
